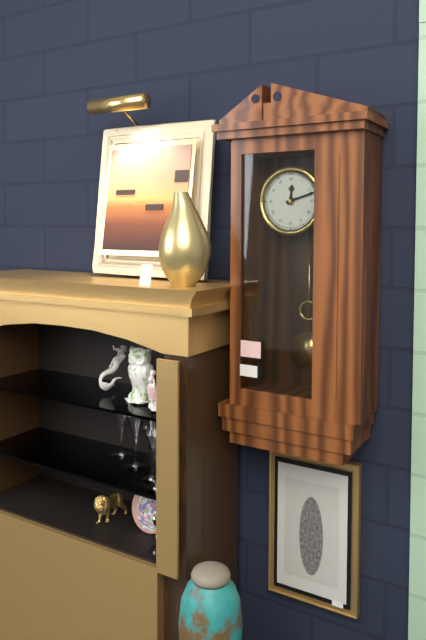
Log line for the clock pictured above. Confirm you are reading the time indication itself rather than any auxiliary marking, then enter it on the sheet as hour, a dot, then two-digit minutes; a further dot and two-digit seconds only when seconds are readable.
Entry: 12.12
